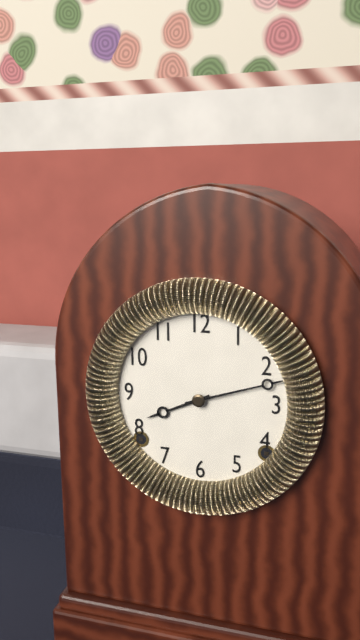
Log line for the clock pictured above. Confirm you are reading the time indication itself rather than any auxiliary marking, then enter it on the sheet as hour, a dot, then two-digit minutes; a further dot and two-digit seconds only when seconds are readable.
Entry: 8.12
